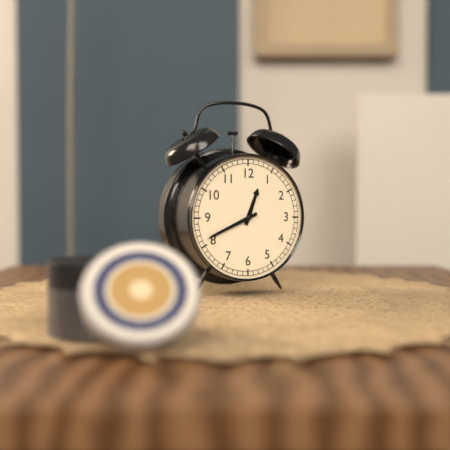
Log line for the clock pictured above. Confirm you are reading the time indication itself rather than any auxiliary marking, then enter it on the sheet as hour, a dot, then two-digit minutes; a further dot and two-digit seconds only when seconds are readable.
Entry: 12.41
